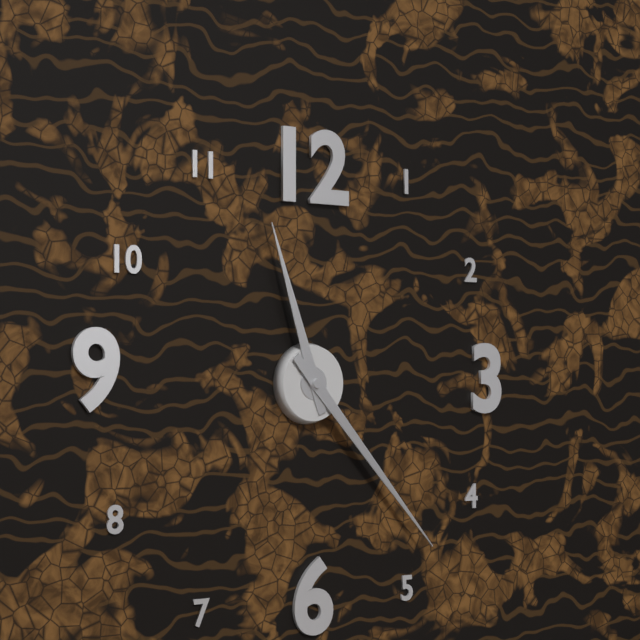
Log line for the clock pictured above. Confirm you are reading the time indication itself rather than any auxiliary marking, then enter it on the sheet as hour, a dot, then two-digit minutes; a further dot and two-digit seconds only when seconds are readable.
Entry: 11.23
